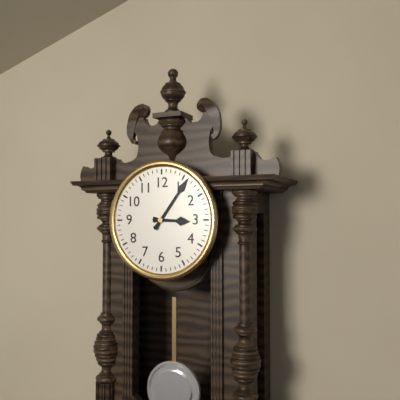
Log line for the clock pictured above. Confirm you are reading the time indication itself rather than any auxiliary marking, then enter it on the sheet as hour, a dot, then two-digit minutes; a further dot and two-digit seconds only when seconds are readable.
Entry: 3.06
